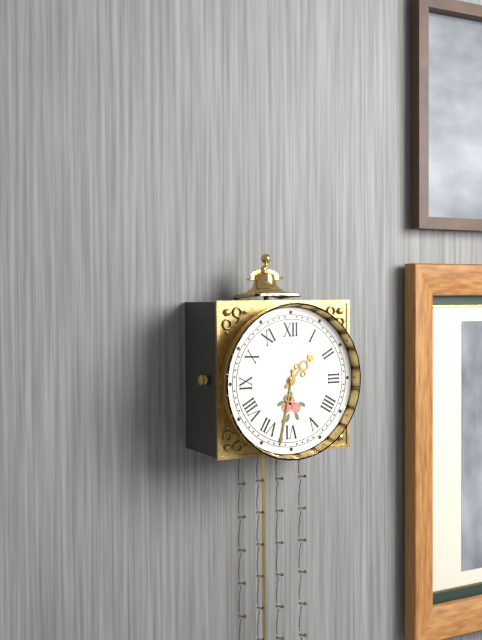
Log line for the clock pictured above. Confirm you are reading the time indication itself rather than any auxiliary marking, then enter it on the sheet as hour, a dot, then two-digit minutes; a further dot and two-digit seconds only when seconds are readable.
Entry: 1.32
